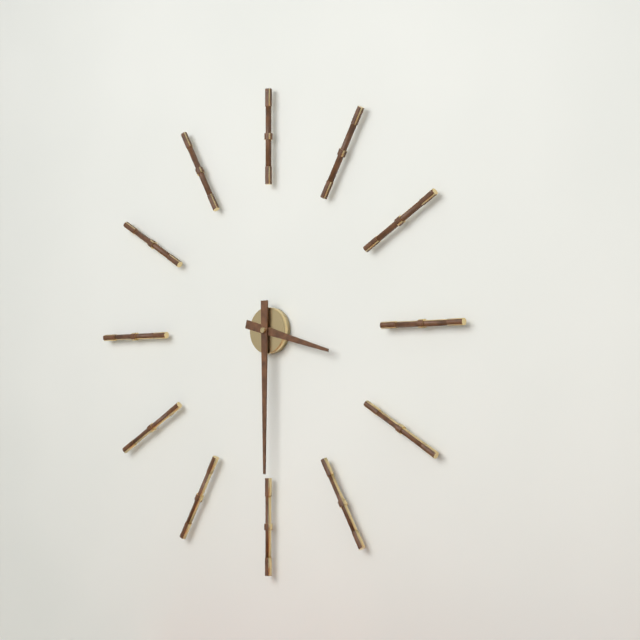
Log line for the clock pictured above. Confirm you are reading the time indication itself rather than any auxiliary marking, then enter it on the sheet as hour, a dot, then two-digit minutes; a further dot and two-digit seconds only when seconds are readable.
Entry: 3.30
